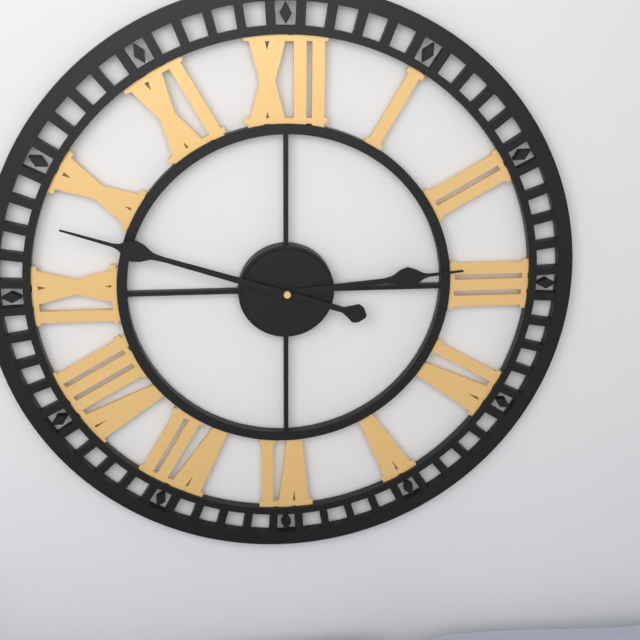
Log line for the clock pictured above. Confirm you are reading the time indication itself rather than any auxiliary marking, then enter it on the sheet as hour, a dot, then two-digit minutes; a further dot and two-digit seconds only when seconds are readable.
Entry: 2.48
